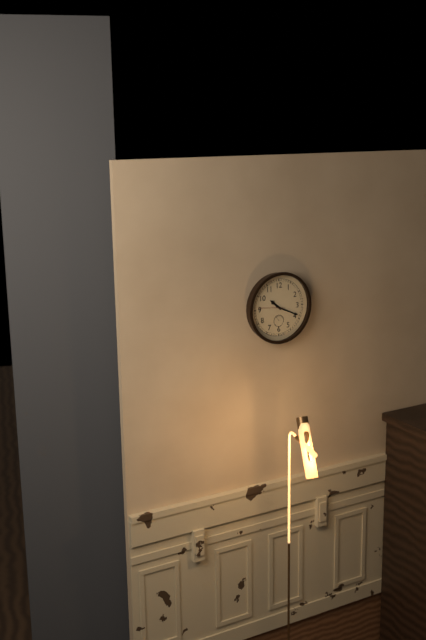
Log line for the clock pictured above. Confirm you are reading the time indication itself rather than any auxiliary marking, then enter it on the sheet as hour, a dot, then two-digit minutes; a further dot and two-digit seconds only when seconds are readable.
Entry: 10.19
